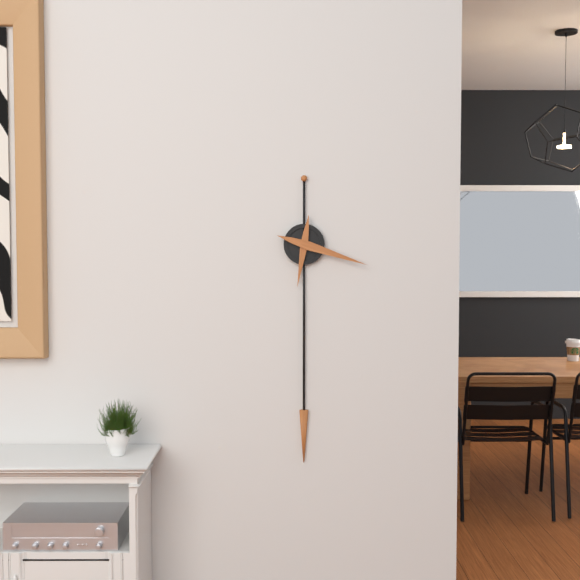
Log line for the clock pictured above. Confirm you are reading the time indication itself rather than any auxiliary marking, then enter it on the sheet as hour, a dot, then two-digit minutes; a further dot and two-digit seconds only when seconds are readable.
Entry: 6.18
